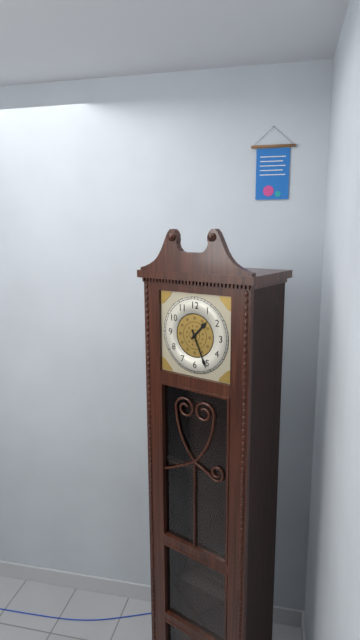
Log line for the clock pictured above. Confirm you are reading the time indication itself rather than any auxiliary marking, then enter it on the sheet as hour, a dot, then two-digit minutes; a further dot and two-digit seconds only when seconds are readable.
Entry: 1.26
